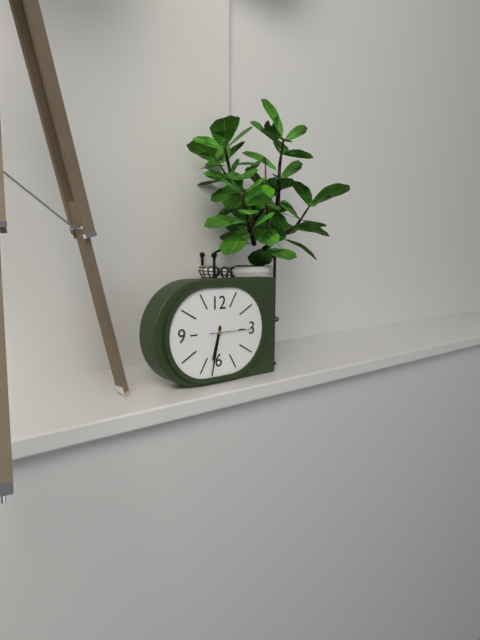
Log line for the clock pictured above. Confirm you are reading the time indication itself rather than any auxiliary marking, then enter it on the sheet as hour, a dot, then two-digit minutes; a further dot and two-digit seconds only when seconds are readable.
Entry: 6.32
